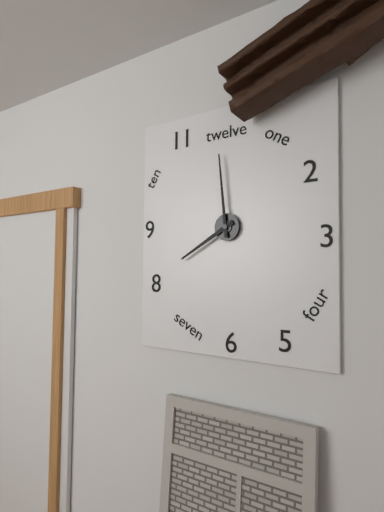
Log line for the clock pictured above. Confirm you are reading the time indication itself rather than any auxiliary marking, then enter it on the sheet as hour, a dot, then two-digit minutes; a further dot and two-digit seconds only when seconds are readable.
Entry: 7.59
